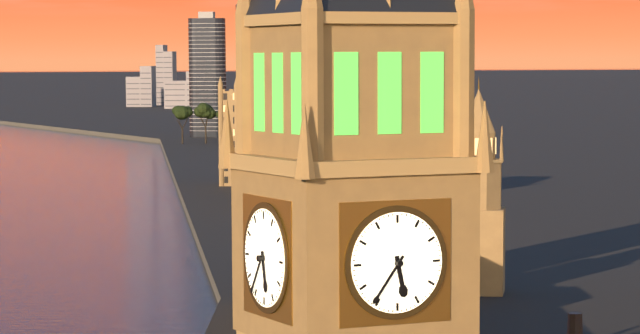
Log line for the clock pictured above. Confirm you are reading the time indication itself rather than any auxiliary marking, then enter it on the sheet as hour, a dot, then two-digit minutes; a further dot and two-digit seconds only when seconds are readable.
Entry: 5.36
